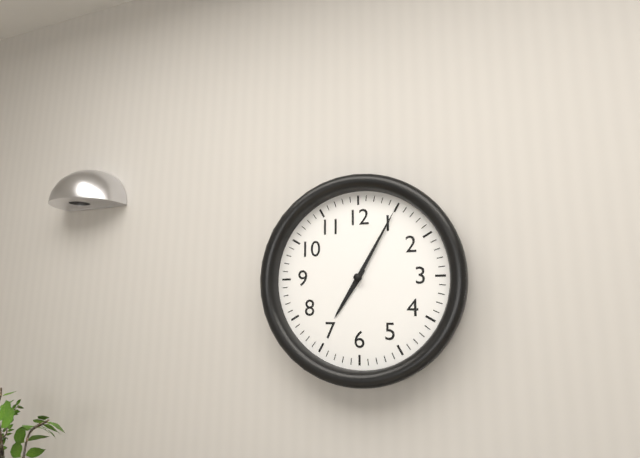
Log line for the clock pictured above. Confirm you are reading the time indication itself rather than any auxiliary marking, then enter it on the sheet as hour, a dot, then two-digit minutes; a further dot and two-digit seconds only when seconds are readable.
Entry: 7.05
